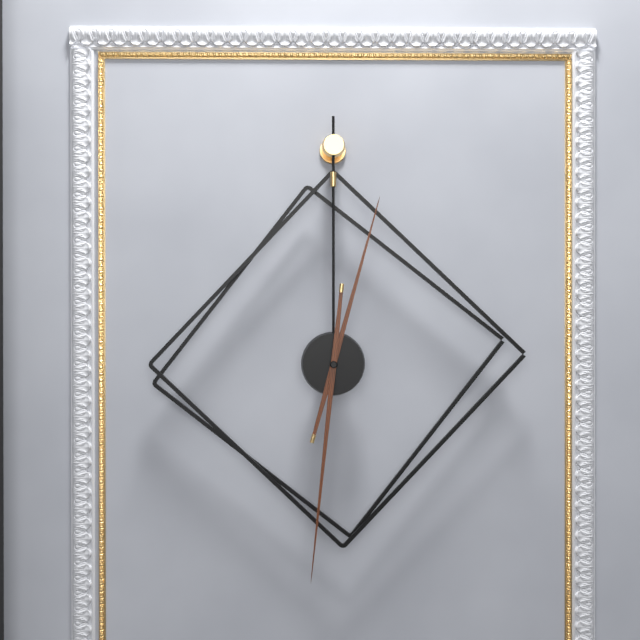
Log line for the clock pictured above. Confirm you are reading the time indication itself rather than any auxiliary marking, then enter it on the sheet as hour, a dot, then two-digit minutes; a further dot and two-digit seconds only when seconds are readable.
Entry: 12.31
